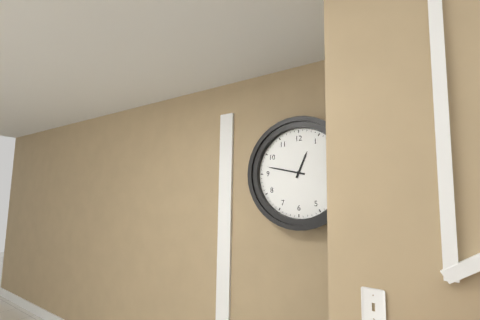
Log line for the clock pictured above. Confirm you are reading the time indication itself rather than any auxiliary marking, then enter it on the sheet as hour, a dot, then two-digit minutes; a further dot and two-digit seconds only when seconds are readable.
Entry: 12.47
